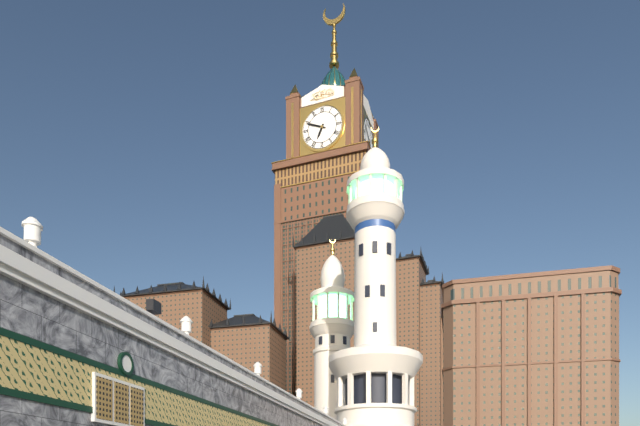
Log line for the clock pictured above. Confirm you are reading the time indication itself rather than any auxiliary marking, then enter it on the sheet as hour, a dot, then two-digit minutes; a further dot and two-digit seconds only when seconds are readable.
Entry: 6.49
